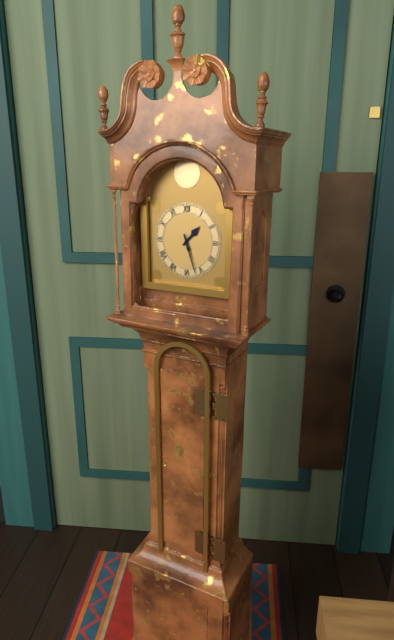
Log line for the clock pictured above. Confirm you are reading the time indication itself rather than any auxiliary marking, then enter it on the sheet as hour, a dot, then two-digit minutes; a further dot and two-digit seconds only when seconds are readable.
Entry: 1.27
